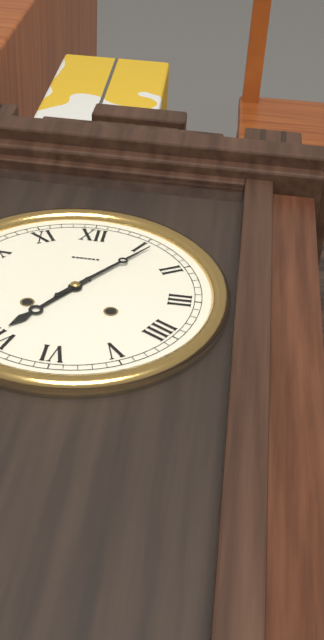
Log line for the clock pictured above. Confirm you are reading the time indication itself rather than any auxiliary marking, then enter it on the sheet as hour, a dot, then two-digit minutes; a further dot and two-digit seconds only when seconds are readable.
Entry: 7.06
